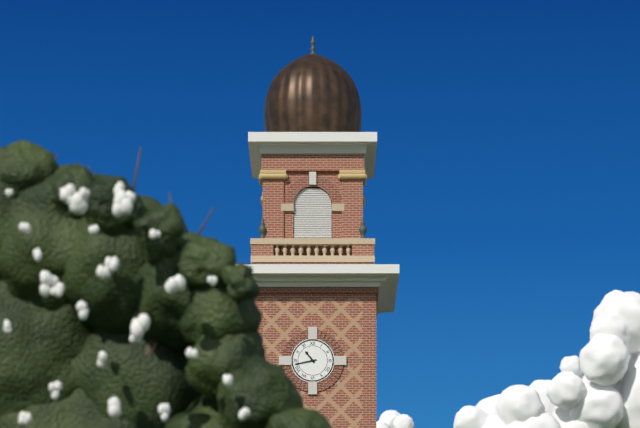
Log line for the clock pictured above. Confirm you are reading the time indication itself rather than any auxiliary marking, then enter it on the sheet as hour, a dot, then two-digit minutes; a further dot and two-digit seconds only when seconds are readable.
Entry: 10.43
